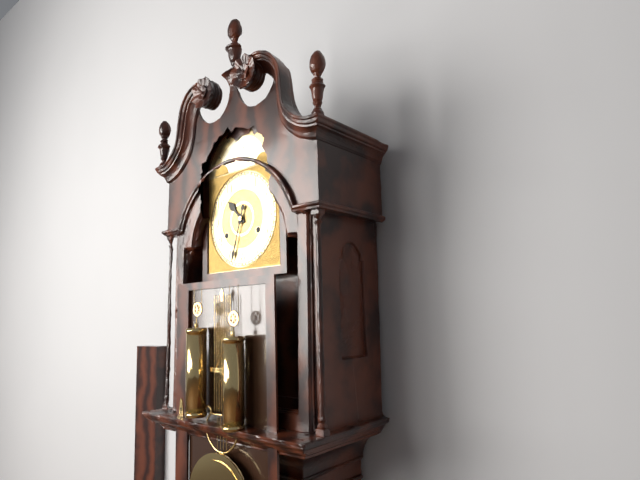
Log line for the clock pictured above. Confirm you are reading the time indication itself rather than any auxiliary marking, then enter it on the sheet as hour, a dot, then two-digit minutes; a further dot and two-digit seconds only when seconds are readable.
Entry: 10.33
